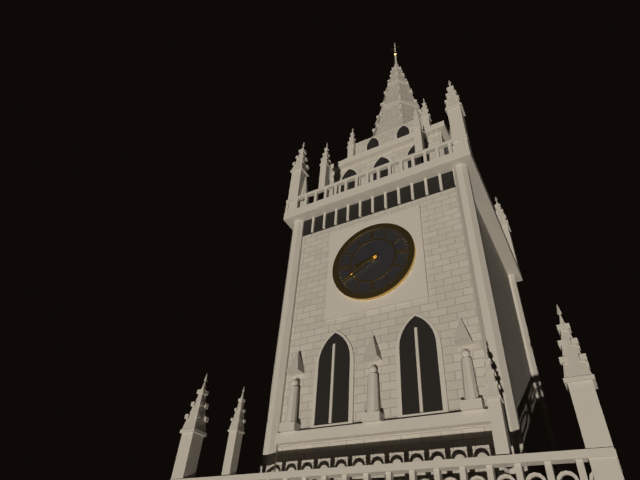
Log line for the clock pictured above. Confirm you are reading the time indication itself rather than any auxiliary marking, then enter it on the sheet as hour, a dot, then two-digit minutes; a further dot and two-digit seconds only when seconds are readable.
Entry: 8.40
